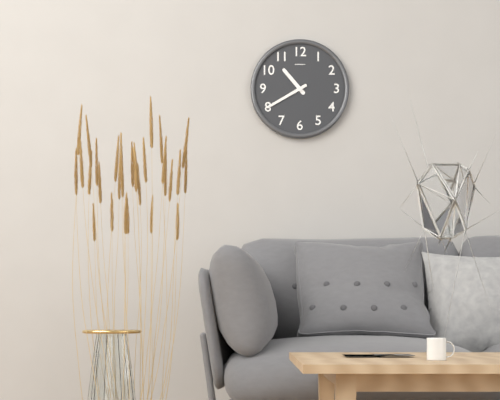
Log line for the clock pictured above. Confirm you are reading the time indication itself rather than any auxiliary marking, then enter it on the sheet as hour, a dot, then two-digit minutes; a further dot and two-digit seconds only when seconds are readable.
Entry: 10.40
